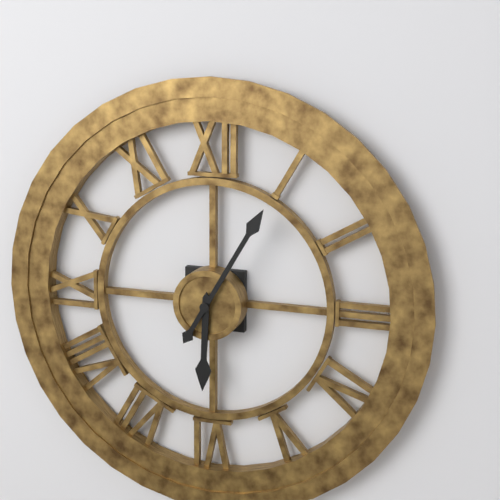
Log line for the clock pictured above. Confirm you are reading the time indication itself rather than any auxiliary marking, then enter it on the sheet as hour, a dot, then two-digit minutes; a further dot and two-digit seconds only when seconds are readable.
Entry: 6.05
